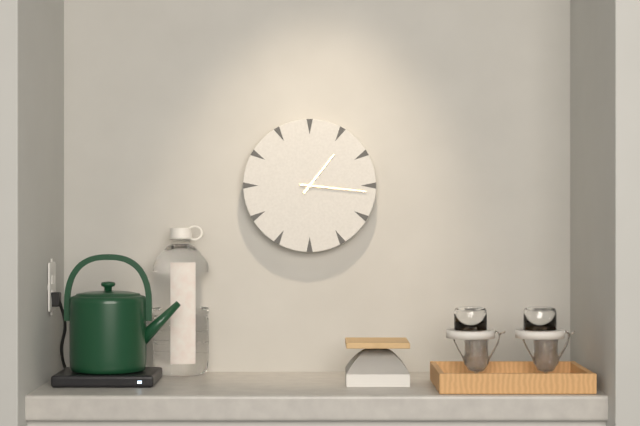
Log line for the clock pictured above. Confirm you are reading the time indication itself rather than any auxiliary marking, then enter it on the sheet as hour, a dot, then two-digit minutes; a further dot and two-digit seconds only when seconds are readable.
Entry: 1.16
